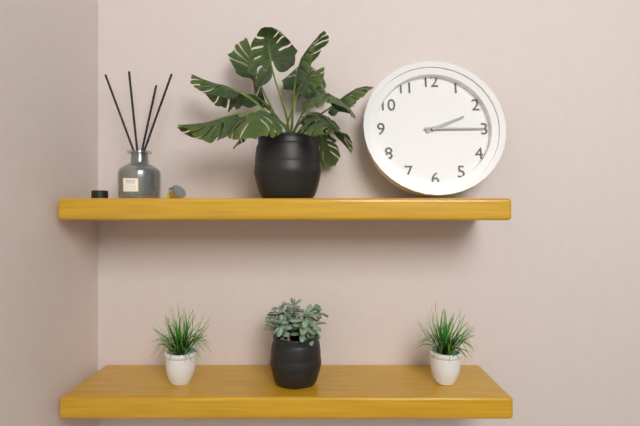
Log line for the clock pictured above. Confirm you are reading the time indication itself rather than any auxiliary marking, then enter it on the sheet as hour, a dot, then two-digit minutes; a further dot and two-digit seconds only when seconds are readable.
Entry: 2.15
